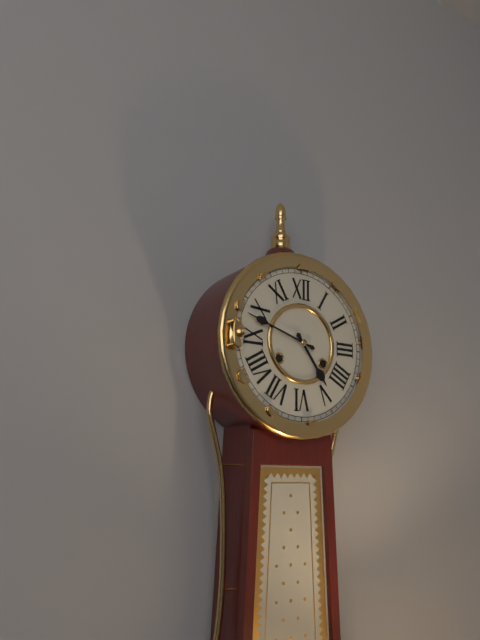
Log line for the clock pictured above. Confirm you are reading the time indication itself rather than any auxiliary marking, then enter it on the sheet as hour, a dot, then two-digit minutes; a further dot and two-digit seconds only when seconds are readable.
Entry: 4.48
